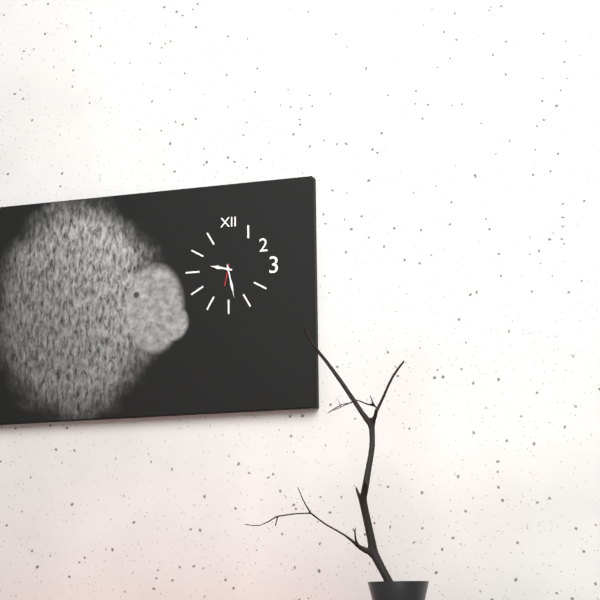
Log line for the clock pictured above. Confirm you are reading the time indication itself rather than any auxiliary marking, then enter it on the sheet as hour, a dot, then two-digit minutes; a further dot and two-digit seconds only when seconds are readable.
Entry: 9.28
